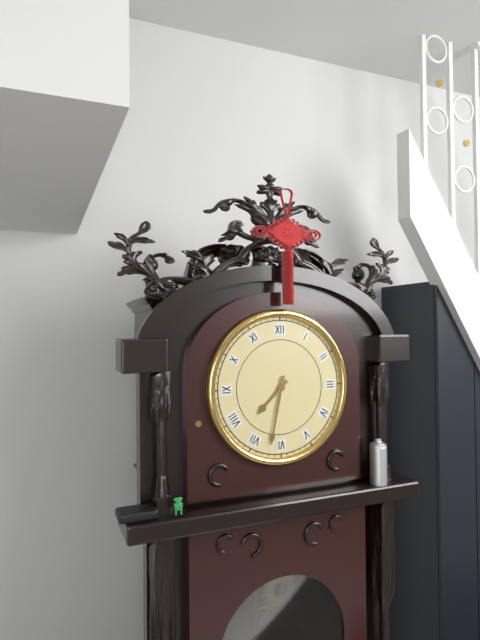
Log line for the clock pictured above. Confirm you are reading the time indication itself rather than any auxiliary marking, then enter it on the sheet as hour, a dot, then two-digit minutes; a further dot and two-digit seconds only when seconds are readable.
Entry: 7.32
